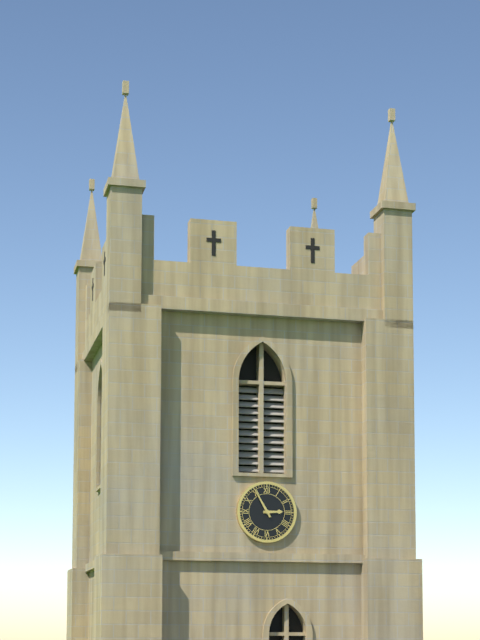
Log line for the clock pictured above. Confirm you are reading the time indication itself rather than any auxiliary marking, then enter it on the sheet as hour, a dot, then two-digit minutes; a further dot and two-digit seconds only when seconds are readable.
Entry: 2.55
